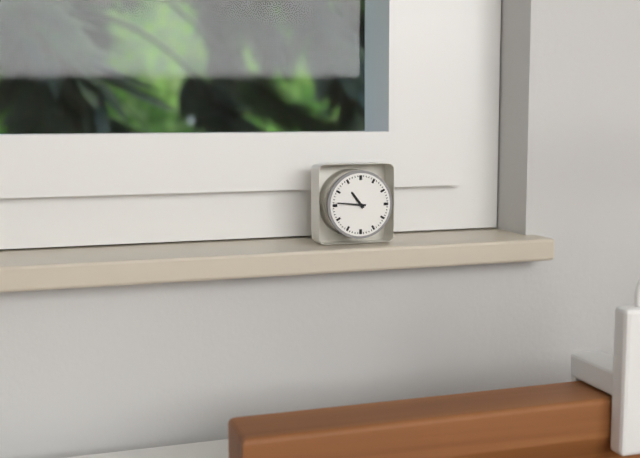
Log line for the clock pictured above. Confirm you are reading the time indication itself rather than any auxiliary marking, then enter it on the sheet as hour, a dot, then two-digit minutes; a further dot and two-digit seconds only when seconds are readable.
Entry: 10.46
